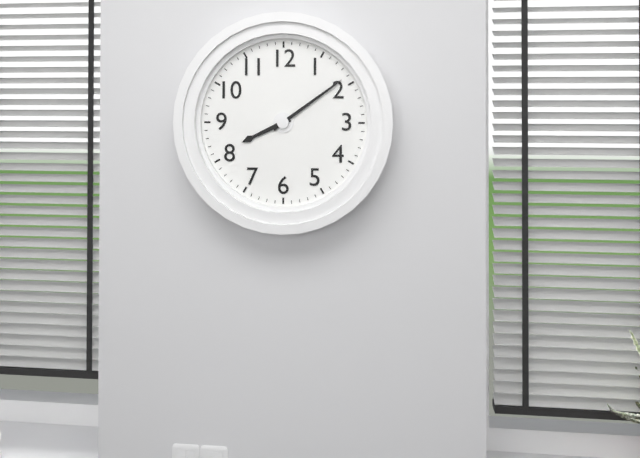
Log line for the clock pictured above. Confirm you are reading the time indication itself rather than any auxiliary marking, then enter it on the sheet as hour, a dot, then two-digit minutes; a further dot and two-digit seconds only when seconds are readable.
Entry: 8.09
